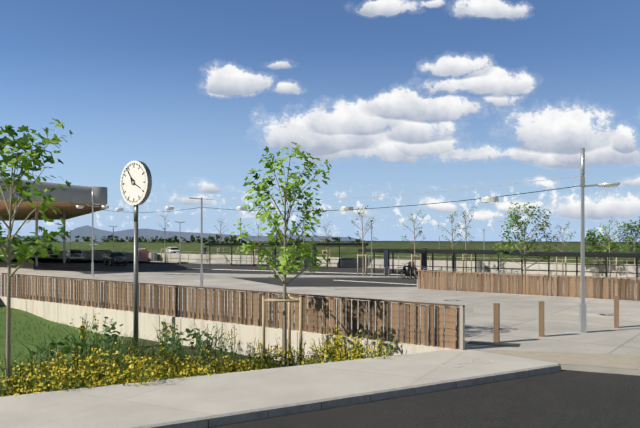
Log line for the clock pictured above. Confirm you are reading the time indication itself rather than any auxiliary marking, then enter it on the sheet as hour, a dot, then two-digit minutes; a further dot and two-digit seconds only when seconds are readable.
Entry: 3.54
